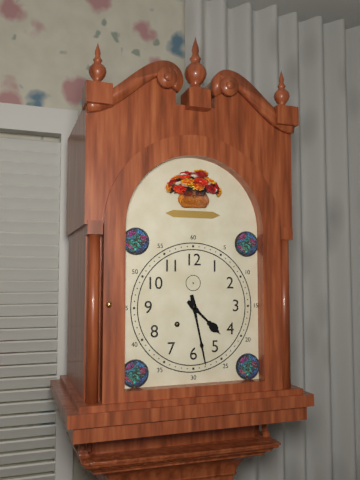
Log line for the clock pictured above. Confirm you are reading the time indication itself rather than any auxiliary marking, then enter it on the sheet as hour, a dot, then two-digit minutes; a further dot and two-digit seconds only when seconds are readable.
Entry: 4.28
